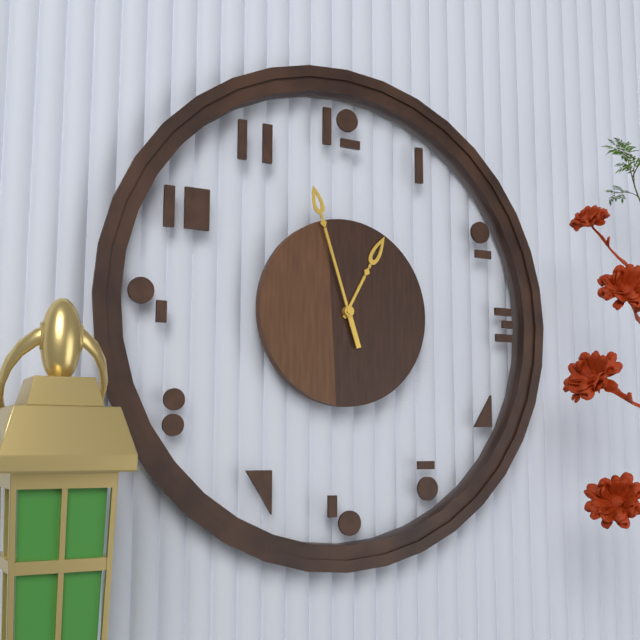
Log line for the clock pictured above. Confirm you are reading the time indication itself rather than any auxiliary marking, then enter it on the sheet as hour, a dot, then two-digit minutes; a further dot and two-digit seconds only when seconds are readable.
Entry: 12.57
